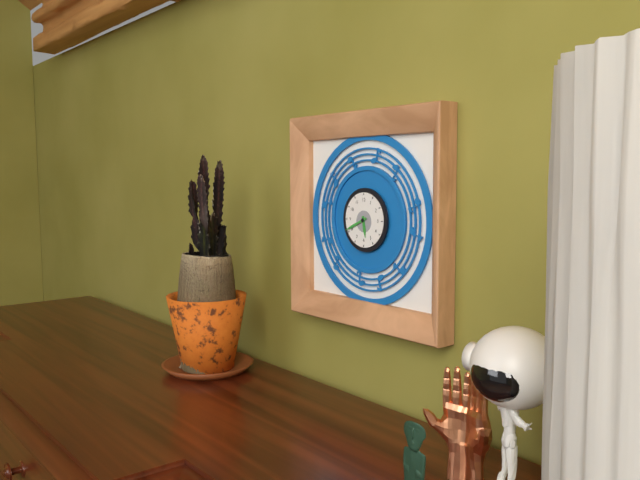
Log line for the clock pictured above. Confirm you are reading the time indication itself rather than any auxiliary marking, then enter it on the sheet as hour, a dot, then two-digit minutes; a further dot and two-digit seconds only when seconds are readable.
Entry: 5.41
